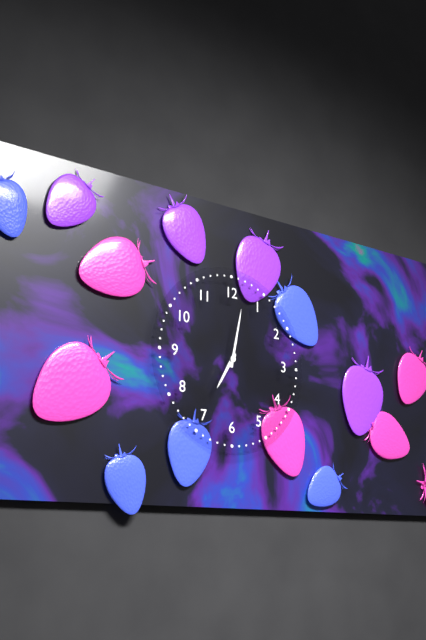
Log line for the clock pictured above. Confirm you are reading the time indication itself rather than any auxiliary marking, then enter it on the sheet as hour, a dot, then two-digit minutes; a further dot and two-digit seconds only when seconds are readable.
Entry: 7.02
